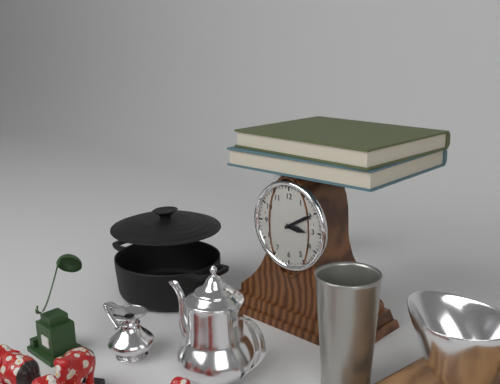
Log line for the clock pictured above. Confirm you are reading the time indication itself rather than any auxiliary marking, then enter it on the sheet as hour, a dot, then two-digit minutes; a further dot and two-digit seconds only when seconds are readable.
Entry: 3.10
